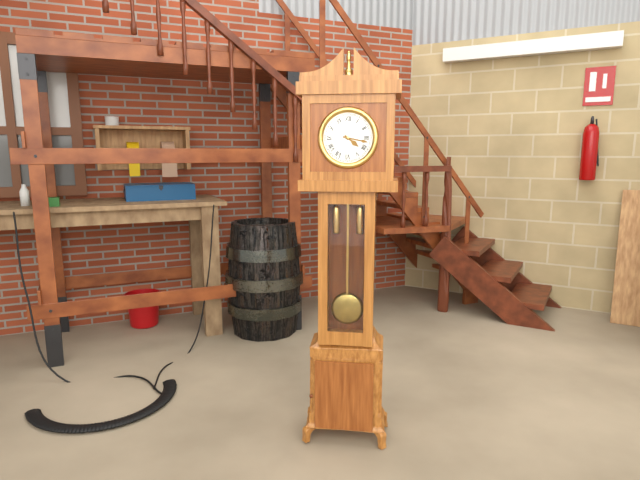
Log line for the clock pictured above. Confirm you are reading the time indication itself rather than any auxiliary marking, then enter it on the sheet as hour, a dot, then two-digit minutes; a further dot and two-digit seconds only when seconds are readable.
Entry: 4.17
